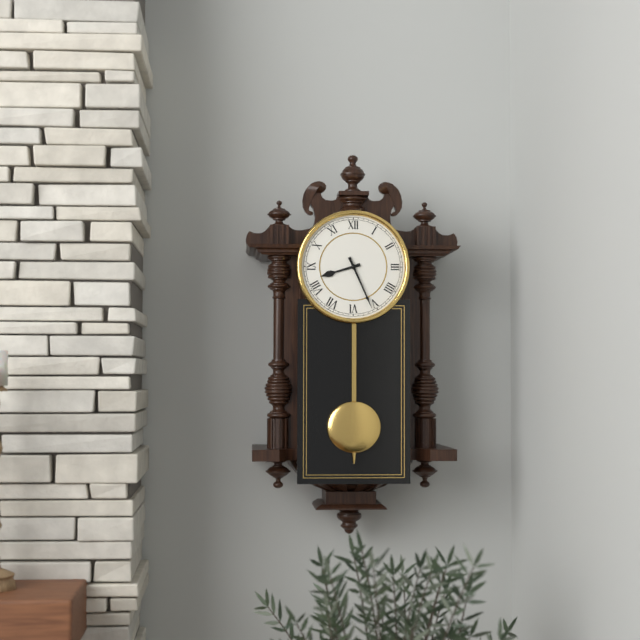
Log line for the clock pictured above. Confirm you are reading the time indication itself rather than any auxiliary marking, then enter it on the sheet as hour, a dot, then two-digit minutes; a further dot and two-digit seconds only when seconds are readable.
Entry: 8.26
